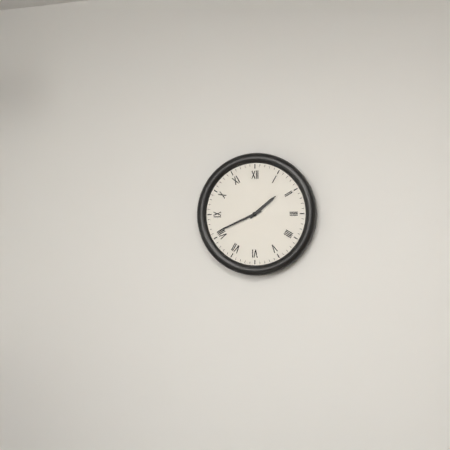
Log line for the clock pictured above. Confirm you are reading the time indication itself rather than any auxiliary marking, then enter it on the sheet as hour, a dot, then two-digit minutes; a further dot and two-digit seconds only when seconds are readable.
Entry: 1.41
